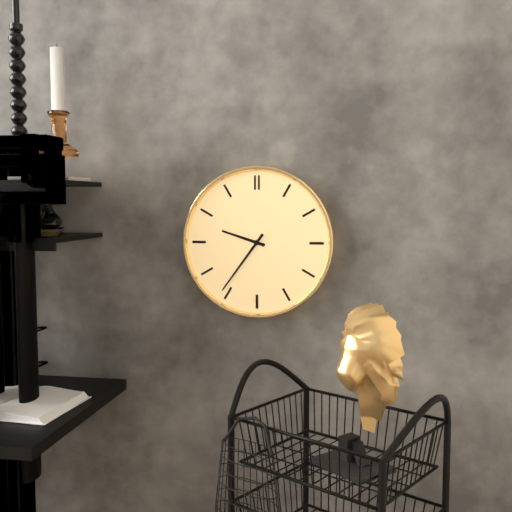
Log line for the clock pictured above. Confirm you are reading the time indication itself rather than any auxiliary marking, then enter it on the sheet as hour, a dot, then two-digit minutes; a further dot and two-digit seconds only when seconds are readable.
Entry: 9.36
